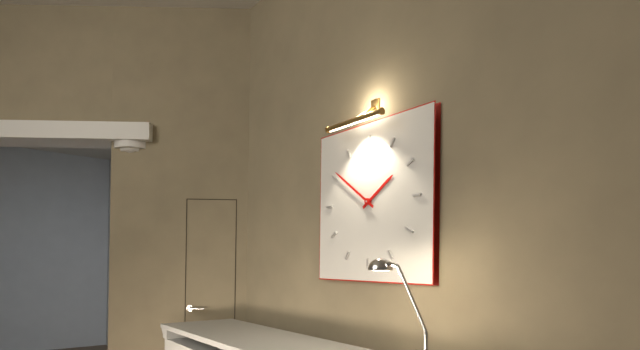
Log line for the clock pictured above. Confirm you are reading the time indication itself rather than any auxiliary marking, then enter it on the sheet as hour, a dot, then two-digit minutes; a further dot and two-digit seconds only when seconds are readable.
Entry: 1.51
